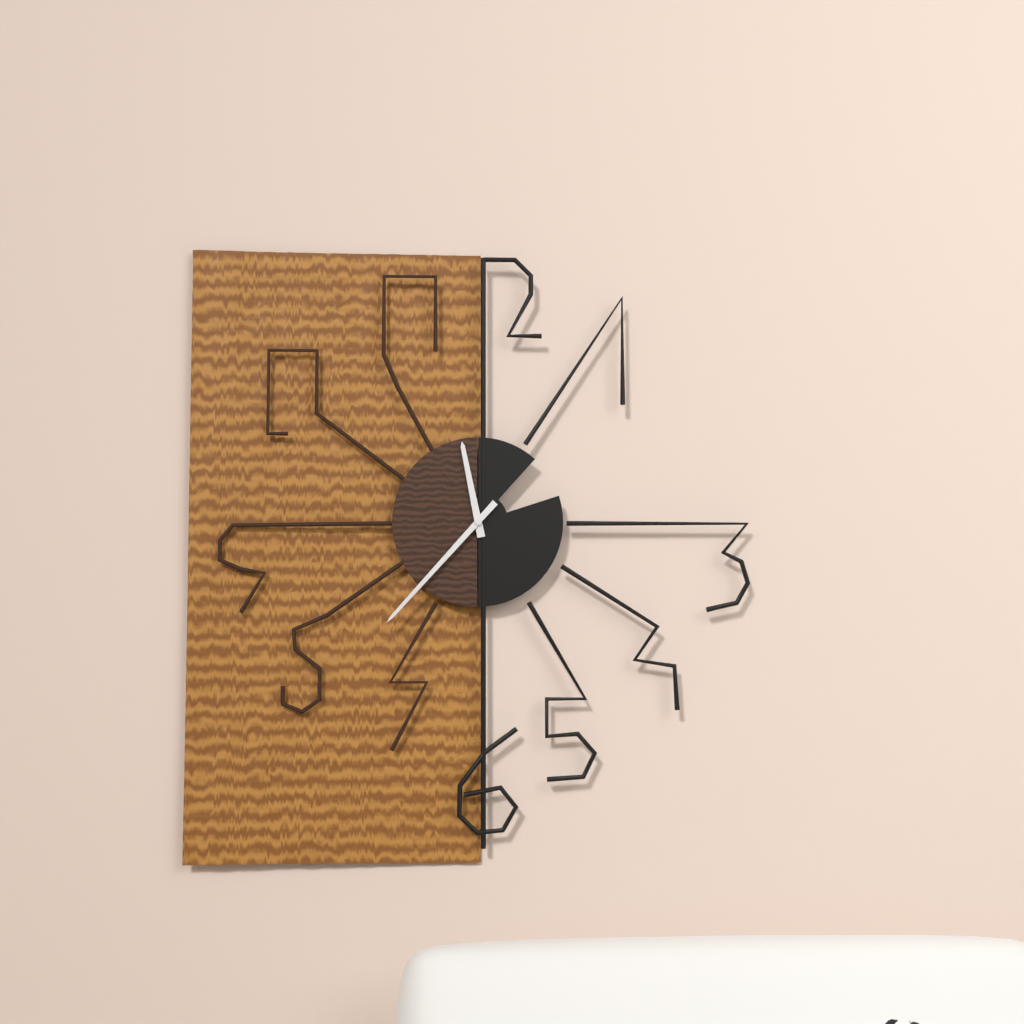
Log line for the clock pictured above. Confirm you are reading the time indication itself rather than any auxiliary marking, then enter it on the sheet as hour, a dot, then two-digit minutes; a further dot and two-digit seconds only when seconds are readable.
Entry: 11.37
